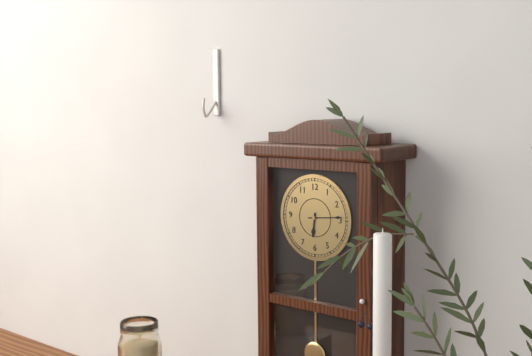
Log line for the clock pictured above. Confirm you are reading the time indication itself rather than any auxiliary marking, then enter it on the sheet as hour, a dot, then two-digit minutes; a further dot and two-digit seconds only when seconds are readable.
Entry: 6.14
